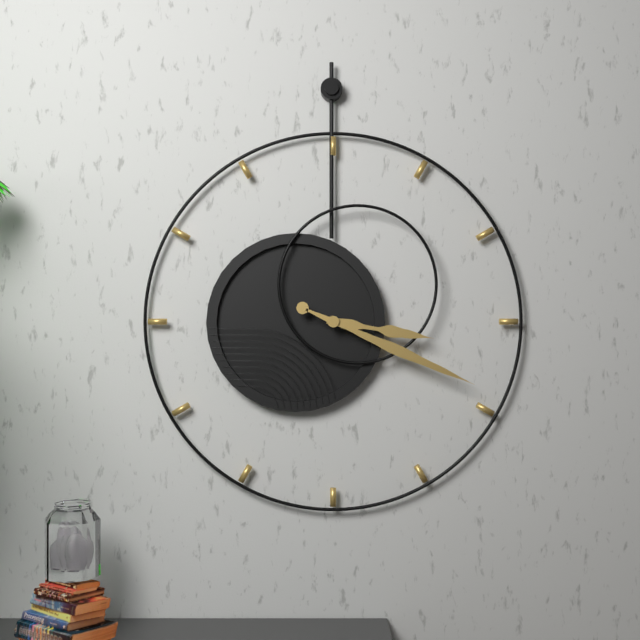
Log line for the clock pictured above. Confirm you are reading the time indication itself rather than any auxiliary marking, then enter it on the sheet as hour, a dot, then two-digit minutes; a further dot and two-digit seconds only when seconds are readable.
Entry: 3.19
